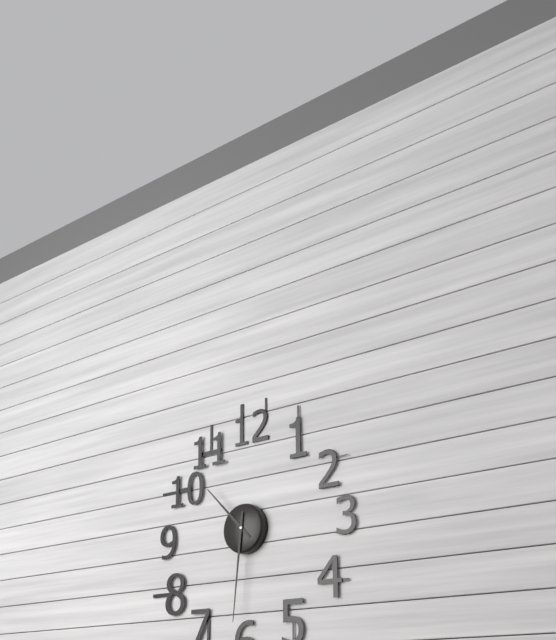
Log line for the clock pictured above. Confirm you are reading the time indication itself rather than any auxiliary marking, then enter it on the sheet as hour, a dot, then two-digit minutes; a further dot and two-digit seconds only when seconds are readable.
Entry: 10.31
